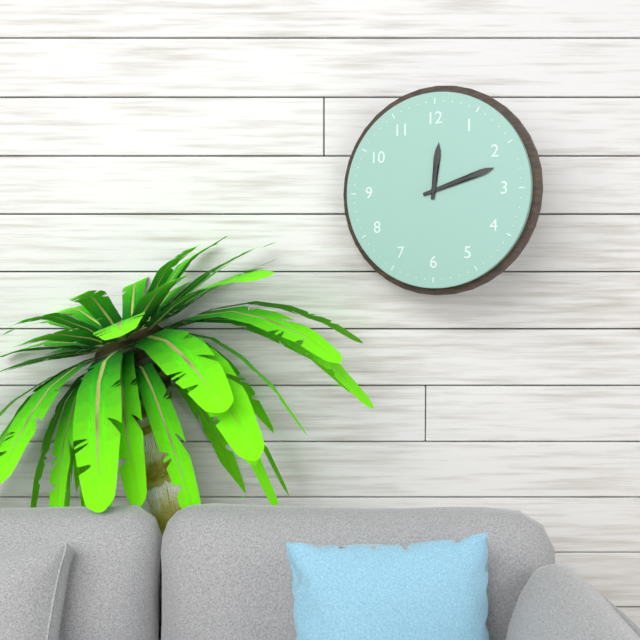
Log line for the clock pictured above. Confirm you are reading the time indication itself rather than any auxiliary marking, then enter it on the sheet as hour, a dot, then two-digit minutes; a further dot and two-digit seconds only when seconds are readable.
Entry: 12.12
